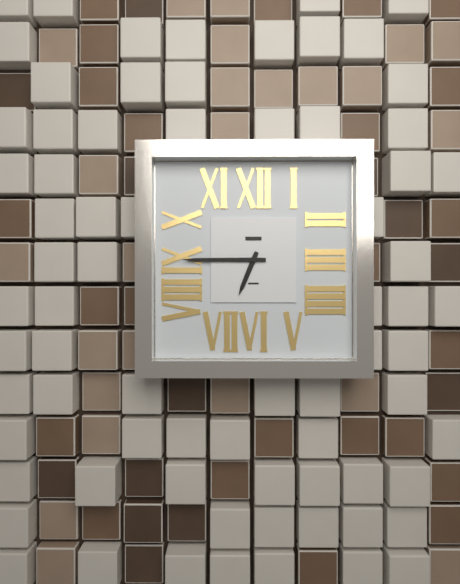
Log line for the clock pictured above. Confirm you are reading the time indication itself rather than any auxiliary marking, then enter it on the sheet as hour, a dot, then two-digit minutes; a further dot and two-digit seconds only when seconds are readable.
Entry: 6.45
